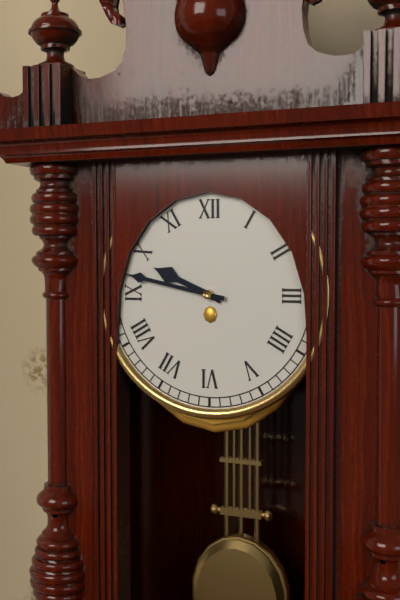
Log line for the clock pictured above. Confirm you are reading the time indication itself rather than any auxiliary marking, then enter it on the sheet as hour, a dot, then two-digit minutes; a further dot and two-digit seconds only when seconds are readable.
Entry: 9.47
